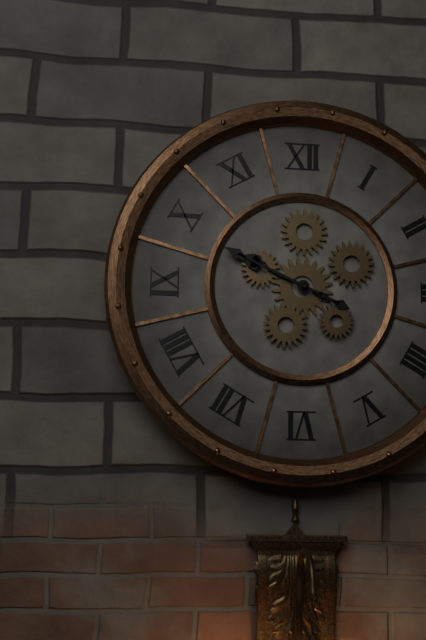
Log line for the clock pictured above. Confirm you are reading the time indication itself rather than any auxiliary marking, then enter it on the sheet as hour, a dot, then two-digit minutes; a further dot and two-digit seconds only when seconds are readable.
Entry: 9.49
